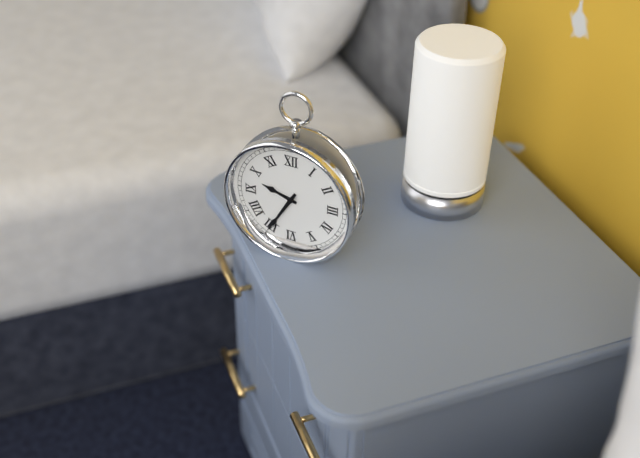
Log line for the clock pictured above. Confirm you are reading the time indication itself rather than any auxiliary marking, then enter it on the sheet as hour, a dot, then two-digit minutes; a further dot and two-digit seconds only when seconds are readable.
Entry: 9.35
